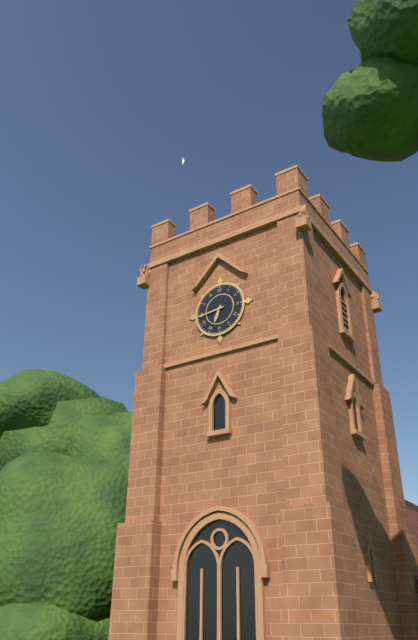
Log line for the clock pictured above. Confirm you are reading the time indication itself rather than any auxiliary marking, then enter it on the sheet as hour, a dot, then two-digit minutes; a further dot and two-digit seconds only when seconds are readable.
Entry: 6.44
